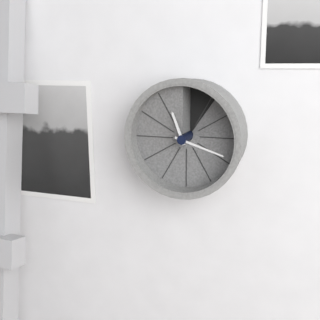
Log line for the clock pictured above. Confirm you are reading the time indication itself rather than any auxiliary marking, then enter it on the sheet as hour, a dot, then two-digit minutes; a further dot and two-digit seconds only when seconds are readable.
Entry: 11.18
